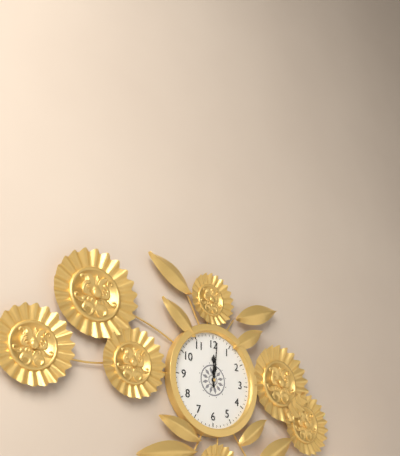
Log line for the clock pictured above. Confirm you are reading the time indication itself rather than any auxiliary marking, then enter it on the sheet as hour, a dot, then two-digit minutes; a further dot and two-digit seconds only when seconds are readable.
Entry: 12.01
